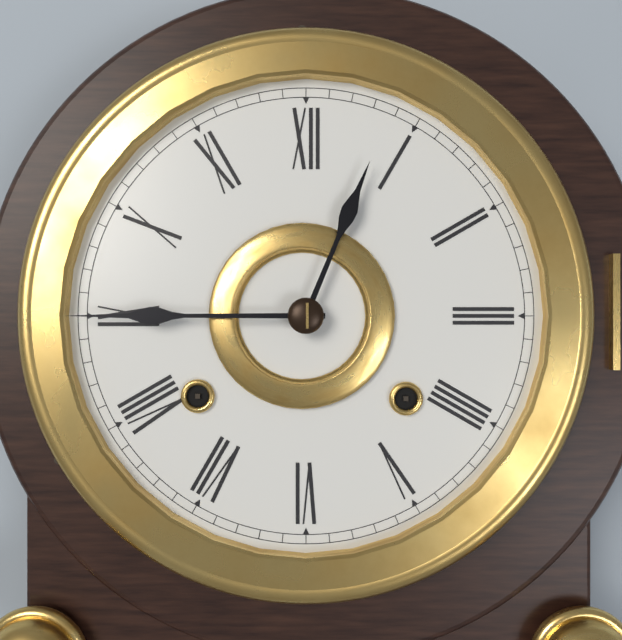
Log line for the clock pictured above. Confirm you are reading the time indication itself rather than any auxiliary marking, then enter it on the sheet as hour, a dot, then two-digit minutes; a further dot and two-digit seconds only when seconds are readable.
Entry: 12.45
